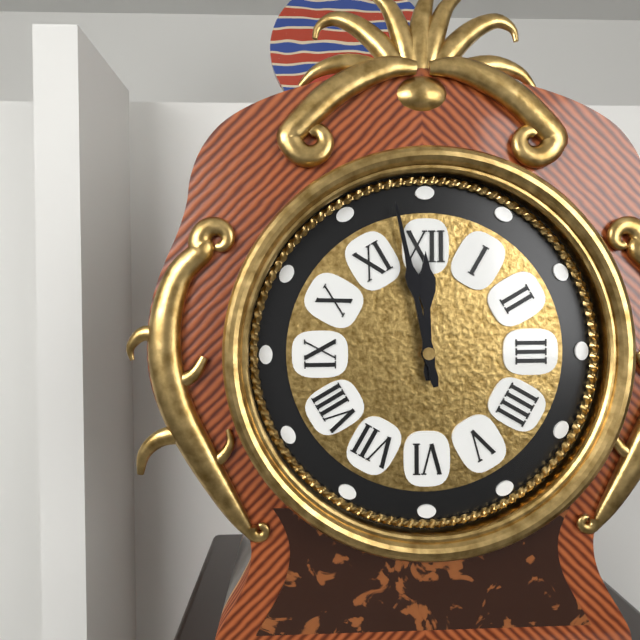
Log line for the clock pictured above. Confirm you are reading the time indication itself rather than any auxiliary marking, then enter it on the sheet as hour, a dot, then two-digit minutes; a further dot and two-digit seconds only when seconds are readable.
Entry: 11.58
